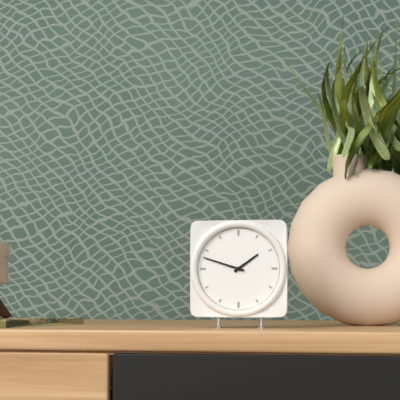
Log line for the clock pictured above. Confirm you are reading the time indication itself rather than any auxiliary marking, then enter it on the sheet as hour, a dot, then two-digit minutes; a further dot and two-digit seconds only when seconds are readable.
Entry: 1.48
